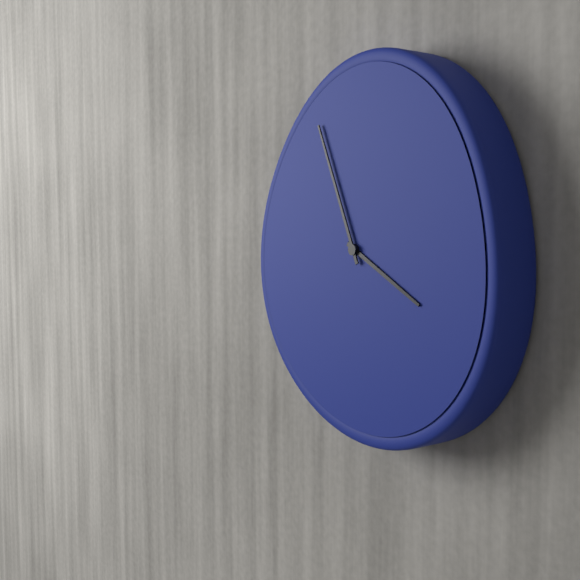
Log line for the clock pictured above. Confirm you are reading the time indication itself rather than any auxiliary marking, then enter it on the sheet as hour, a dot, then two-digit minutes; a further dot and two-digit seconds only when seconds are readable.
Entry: 3.56
